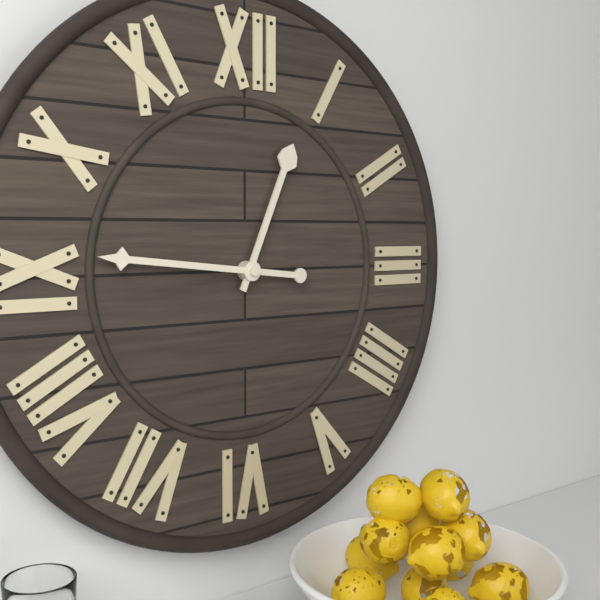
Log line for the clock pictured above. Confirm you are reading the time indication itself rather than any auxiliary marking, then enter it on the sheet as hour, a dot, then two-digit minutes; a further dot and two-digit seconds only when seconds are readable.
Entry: 12.46
